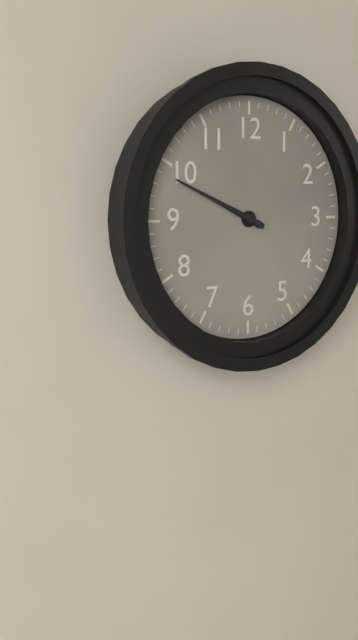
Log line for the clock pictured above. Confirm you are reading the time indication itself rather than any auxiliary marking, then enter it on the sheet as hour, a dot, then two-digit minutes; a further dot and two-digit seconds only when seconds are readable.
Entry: 9.49
